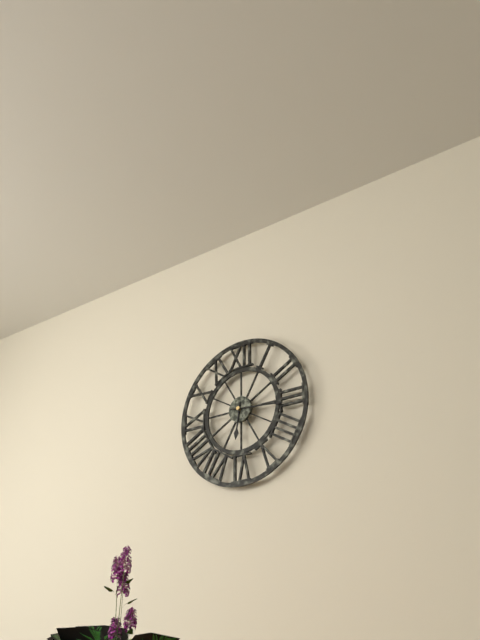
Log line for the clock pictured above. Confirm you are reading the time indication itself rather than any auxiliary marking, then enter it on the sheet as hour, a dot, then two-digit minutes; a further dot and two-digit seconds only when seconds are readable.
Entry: 6.16
